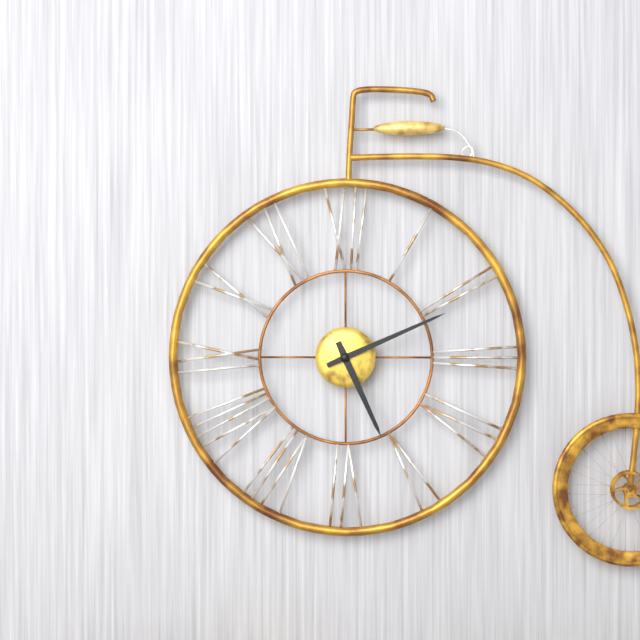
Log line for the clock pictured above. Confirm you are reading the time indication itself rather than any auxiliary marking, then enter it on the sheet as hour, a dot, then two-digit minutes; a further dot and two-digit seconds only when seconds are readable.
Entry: 5.11
